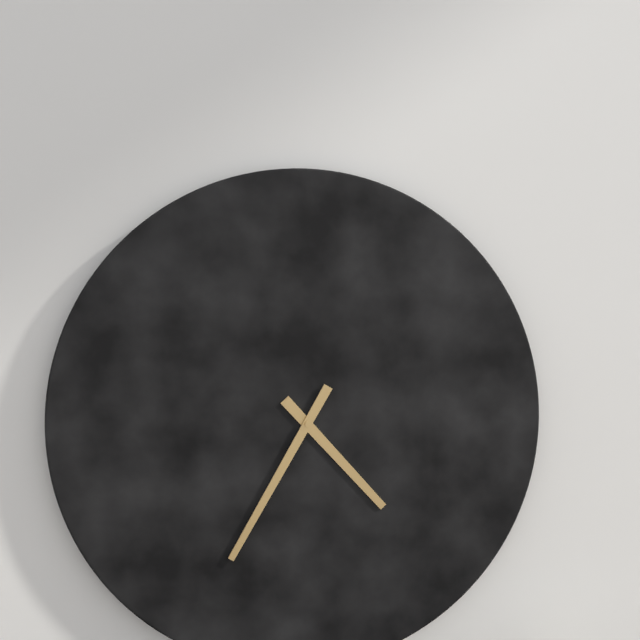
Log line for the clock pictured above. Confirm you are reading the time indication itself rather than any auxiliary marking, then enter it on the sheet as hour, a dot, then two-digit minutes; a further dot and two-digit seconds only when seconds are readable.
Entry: 4.35
